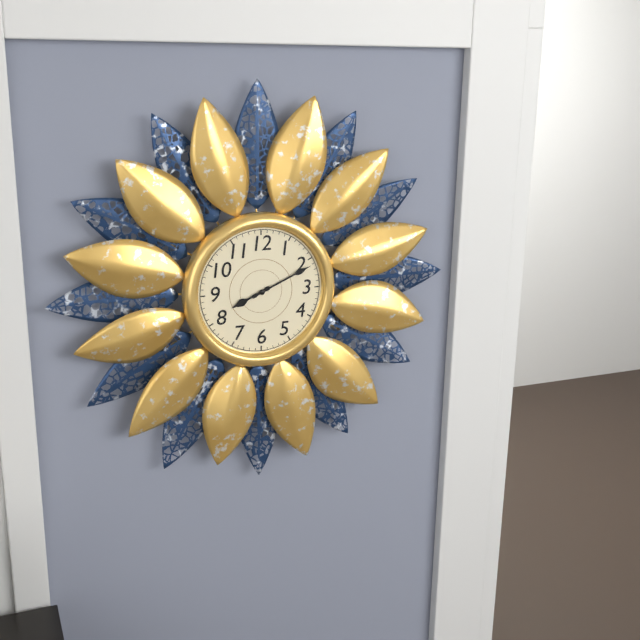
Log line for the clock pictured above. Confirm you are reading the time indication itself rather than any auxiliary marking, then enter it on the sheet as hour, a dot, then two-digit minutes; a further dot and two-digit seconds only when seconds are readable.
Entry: 8.11
